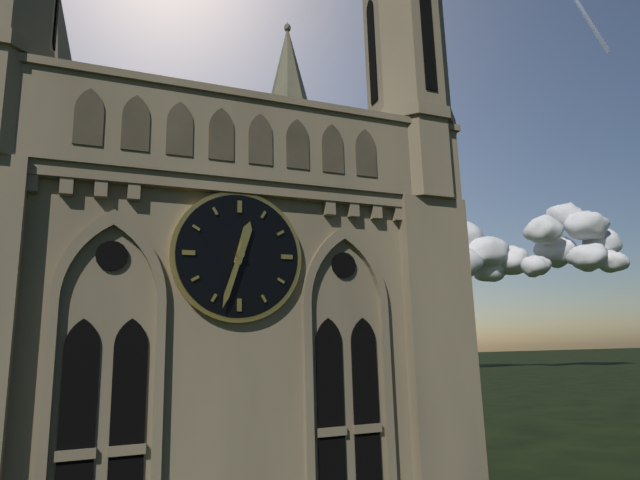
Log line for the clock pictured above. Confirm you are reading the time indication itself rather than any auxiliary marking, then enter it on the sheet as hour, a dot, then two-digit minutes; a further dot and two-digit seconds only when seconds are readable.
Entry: 12.33
